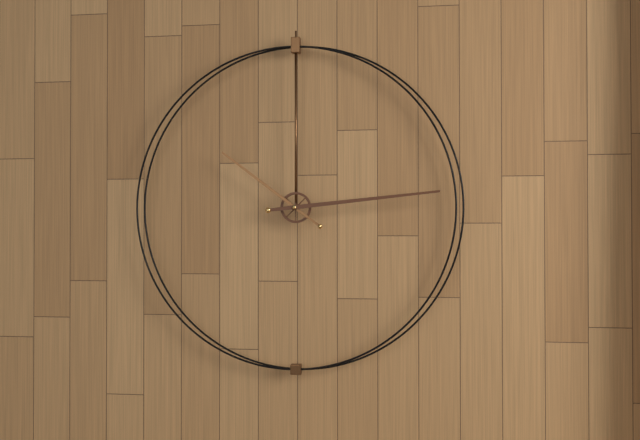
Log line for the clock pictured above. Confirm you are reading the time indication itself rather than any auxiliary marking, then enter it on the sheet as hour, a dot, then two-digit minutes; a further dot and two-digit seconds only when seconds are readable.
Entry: 10.14
